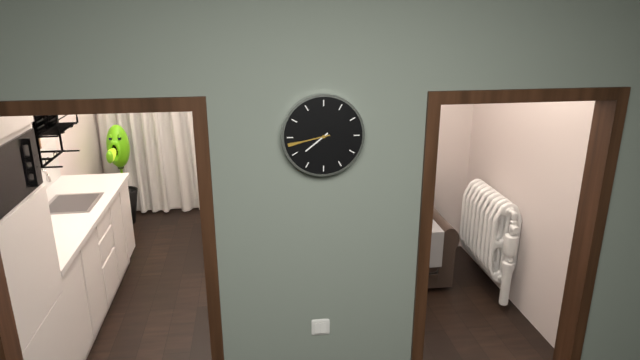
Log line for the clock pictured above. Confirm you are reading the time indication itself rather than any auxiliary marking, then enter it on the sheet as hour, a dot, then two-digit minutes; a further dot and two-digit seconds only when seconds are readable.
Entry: 7.43
